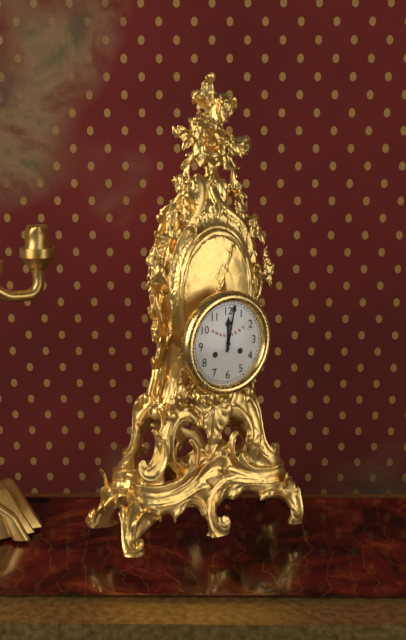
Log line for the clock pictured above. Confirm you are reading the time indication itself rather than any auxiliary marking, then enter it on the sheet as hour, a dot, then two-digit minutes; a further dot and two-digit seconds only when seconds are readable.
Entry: 12.02
